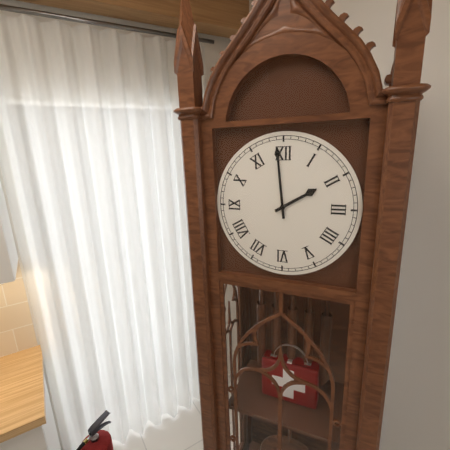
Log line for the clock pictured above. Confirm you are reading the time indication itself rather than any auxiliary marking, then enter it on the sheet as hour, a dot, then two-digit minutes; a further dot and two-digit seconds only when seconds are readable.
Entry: 1.59
